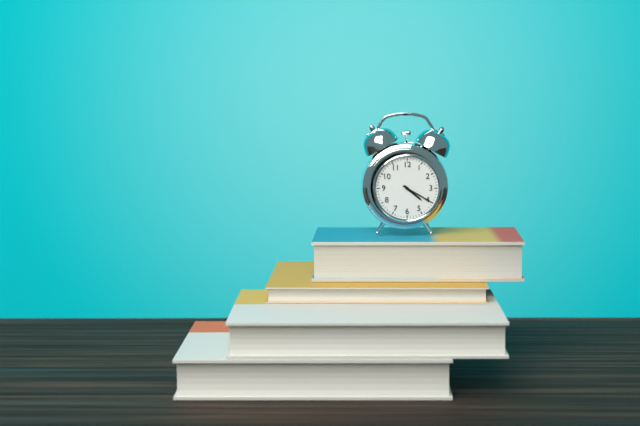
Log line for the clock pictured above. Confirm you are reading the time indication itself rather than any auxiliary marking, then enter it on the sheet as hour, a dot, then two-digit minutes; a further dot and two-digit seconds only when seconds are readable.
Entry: 4.20
